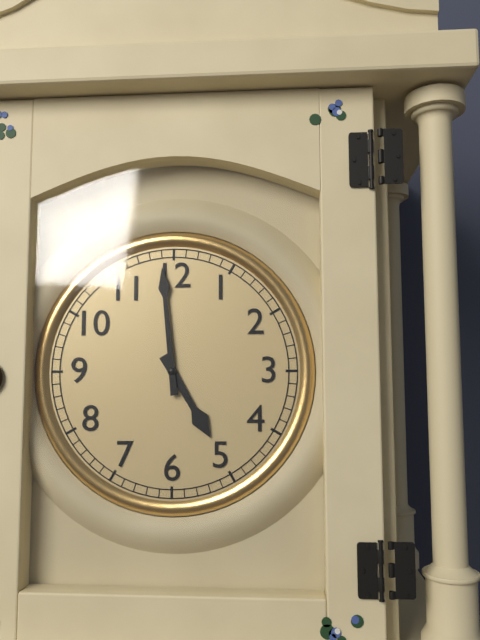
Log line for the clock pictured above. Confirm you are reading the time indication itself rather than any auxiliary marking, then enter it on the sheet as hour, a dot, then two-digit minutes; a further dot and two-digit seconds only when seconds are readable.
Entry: 4.59
